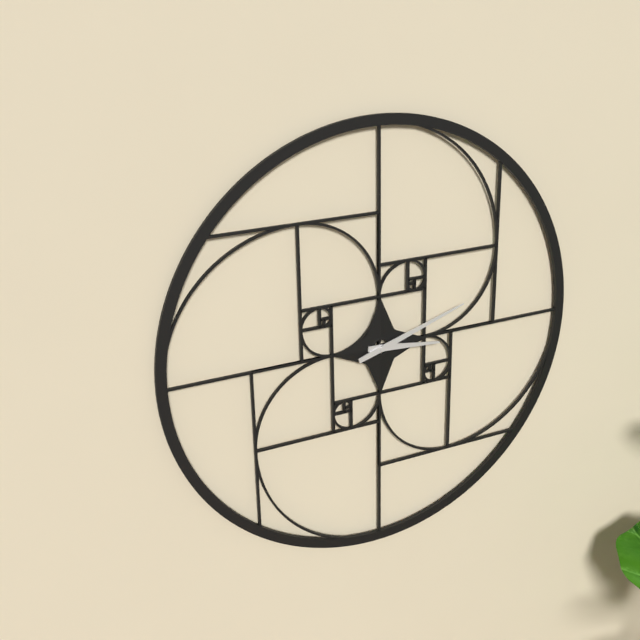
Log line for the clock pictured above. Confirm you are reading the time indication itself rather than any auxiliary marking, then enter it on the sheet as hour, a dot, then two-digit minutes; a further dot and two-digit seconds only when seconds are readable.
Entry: 3.12
